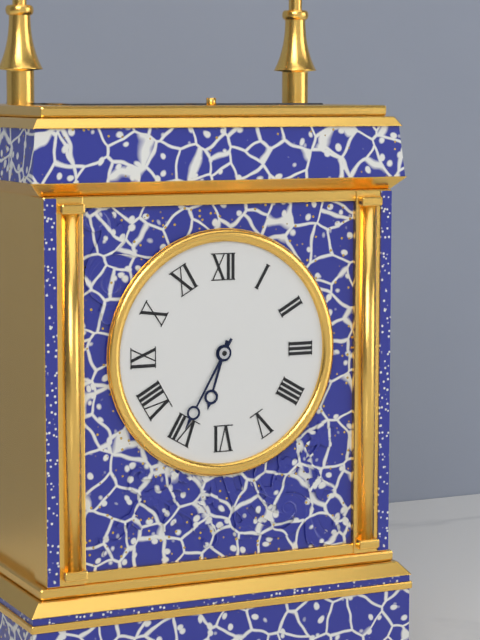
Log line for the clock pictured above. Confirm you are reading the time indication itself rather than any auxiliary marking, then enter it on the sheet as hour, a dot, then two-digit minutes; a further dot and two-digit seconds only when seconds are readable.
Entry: 6.35
